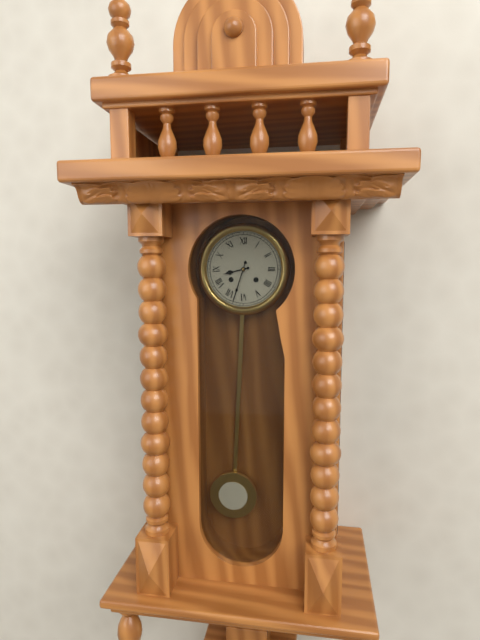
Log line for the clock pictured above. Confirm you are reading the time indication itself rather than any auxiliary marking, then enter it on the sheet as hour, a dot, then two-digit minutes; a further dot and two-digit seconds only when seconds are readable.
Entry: 8.33
